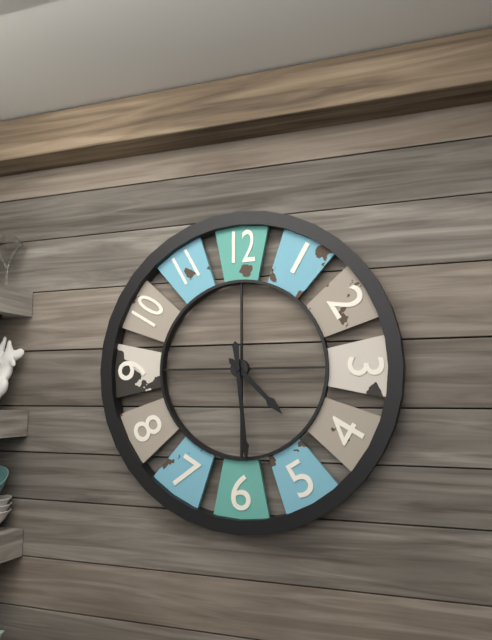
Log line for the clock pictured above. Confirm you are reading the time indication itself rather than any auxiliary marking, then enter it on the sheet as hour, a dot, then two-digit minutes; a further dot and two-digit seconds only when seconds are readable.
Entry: 4.29
